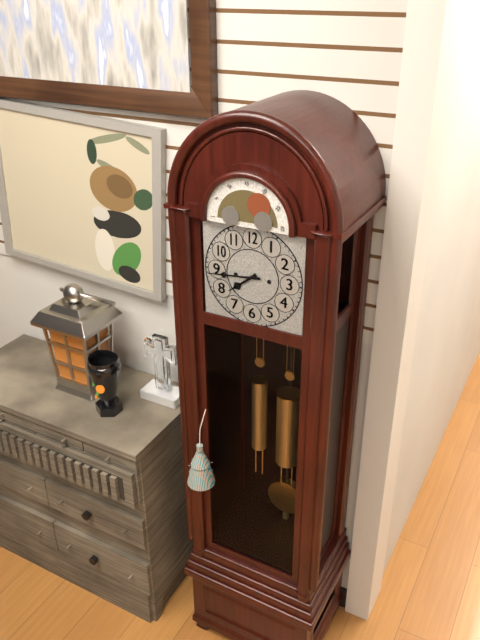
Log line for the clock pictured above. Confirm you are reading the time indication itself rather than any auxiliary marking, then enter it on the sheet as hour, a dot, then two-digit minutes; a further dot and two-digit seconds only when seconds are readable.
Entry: 7.44
